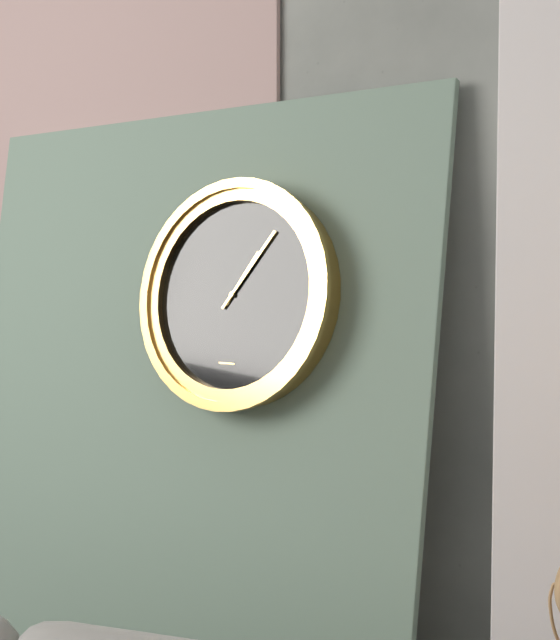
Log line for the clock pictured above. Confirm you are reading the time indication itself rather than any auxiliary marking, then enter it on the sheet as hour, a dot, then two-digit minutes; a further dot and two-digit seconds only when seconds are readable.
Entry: 1.06
